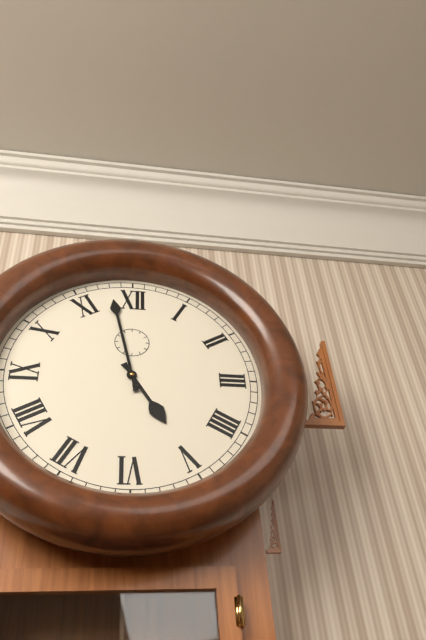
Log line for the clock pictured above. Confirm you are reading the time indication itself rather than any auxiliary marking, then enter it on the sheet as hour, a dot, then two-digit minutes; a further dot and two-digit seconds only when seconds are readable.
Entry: 4.58
